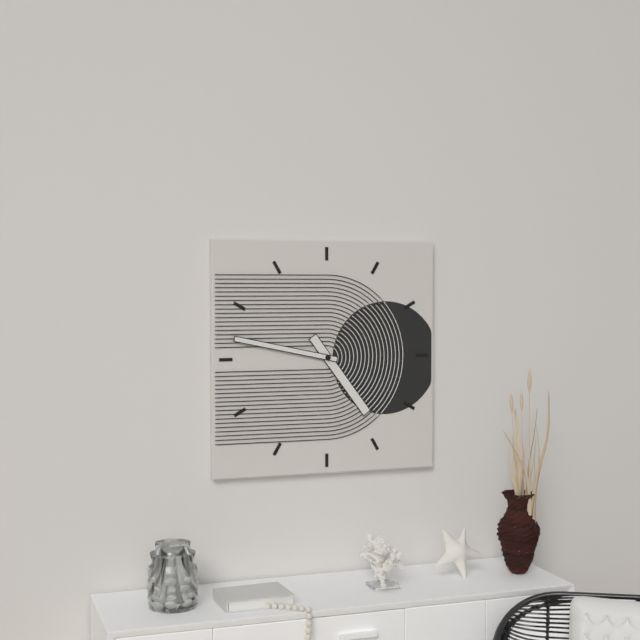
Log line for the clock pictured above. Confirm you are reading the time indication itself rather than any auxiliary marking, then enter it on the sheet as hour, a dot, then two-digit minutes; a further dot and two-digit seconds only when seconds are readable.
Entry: 4.47
